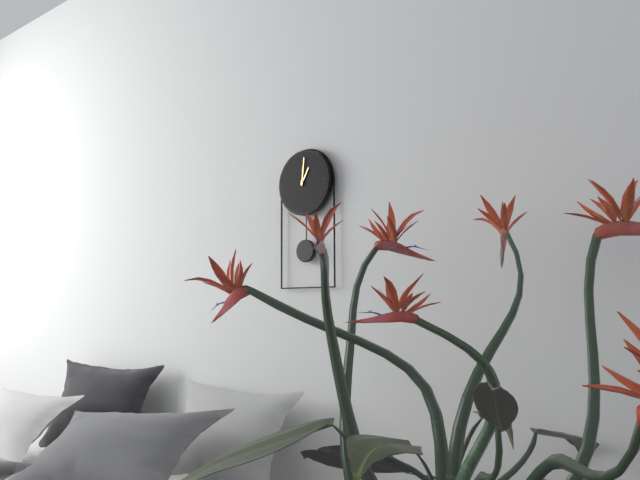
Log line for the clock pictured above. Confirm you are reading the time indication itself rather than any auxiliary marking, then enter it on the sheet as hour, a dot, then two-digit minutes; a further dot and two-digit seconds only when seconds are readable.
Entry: 1.01
